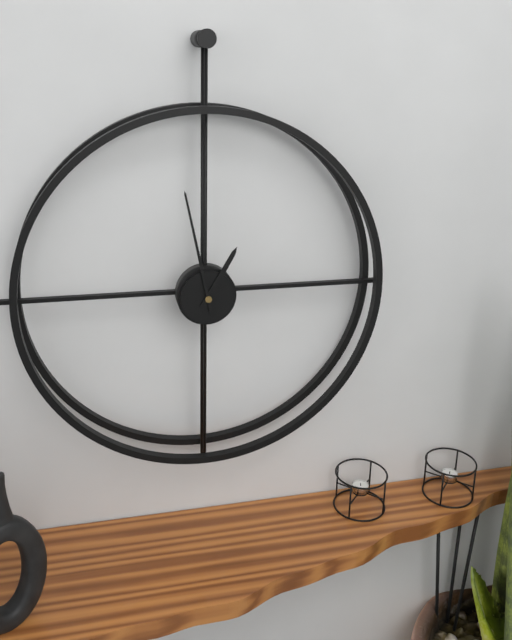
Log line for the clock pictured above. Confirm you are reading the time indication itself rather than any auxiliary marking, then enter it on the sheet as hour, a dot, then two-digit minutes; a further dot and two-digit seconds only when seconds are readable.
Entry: 12.58
